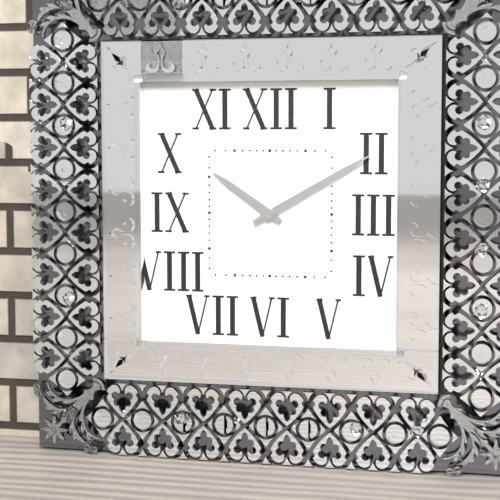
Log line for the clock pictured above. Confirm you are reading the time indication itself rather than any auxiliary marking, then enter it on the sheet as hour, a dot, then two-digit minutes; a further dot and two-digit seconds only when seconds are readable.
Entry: 10.10
